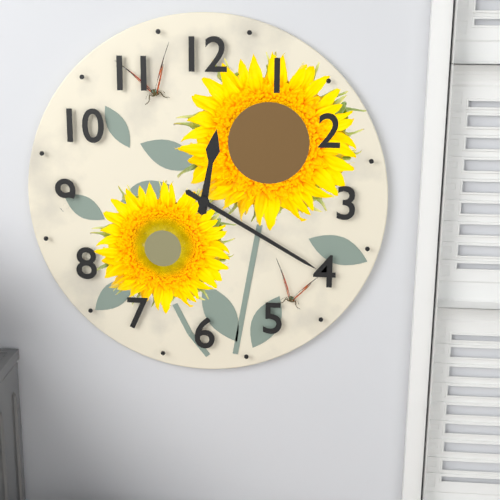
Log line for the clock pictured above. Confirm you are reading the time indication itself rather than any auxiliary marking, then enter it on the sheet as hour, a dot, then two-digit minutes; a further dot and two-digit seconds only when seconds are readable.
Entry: 12.20
